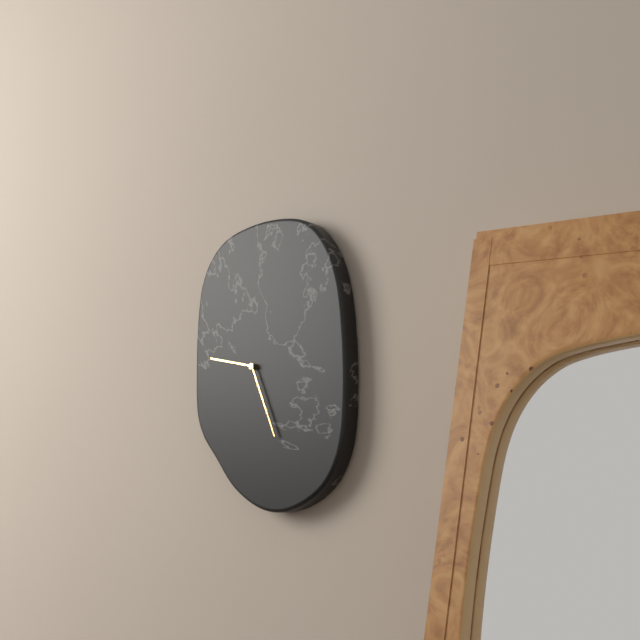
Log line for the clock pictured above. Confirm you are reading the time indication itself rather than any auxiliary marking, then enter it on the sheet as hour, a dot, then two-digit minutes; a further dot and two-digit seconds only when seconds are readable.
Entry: 9.26
